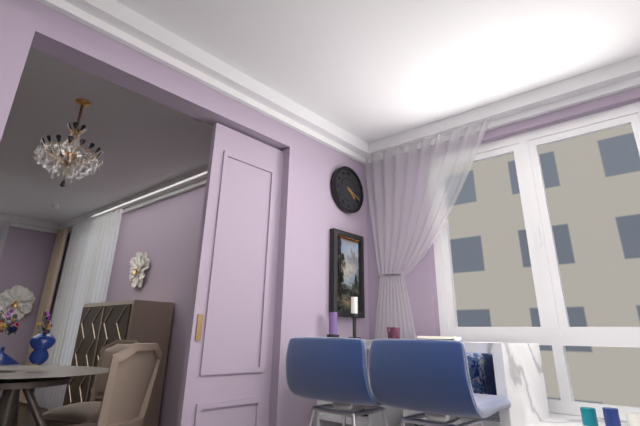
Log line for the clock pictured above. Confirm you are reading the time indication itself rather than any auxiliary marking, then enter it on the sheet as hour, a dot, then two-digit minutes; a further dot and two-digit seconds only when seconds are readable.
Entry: 4.19
